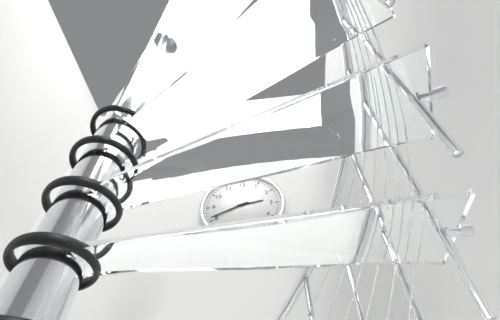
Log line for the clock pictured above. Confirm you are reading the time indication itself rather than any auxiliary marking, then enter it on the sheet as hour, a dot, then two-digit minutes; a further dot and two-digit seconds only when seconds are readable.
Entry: 2.41
